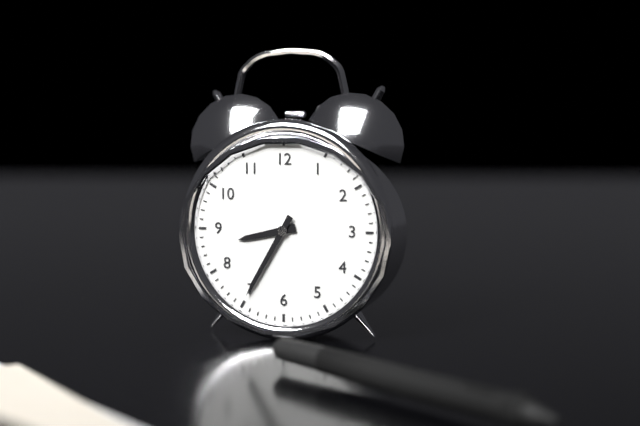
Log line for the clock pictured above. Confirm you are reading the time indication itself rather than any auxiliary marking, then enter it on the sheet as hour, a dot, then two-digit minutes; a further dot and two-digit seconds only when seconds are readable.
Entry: 8.35
